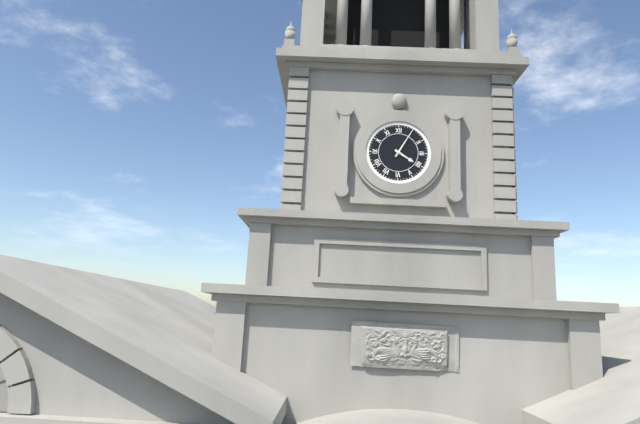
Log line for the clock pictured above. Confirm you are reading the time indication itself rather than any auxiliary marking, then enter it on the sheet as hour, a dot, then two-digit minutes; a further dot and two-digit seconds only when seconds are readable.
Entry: 4.05
